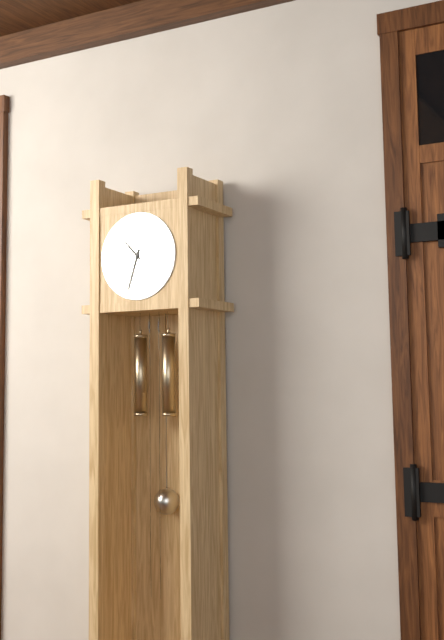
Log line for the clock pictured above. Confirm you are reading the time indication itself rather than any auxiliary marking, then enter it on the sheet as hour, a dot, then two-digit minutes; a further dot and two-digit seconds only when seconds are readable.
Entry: 10.33
